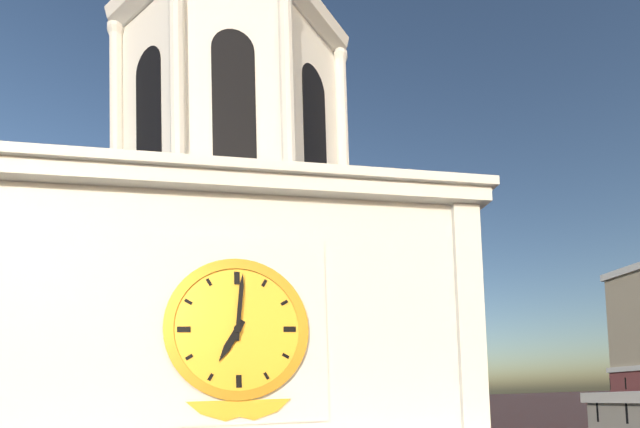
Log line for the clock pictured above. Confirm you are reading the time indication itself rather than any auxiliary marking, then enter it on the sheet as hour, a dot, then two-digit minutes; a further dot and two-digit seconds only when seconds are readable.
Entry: 7.01
